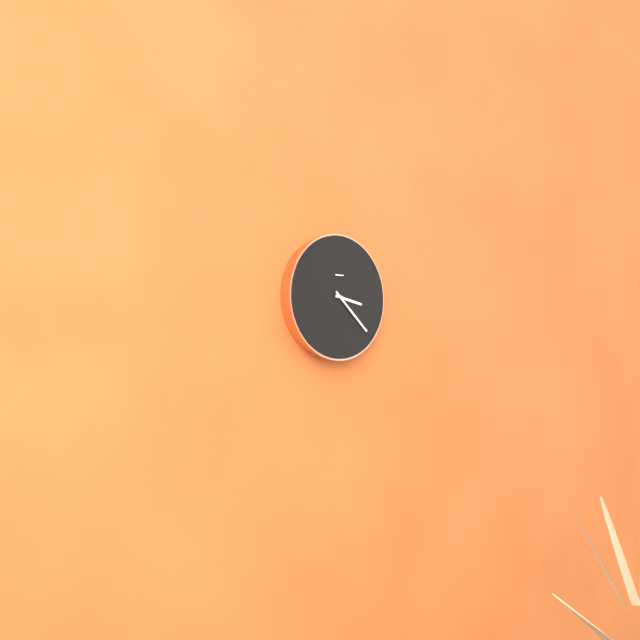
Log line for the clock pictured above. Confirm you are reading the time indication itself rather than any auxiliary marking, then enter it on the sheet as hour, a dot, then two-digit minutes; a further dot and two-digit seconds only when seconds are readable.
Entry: 3.22
